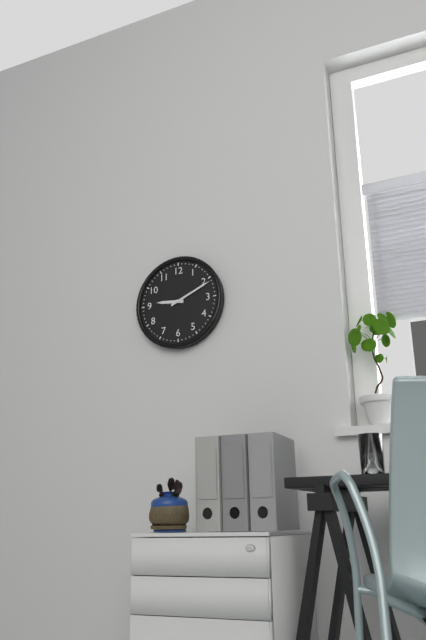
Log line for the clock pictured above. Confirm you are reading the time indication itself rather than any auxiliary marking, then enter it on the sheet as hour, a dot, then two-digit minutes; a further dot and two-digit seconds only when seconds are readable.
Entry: 9.11
